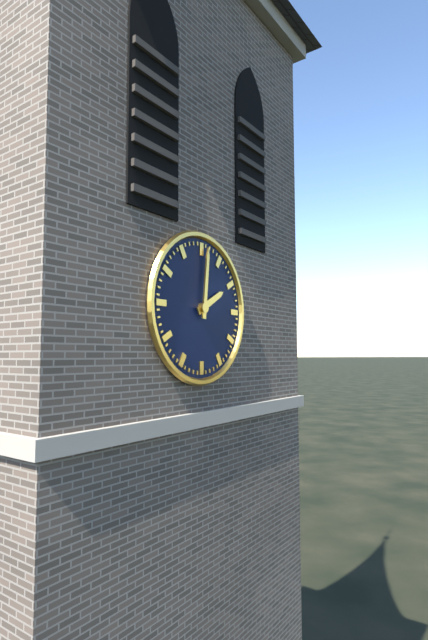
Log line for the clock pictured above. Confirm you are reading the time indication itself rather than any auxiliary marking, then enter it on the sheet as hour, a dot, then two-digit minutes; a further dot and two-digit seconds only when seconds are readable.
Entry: 2.01
